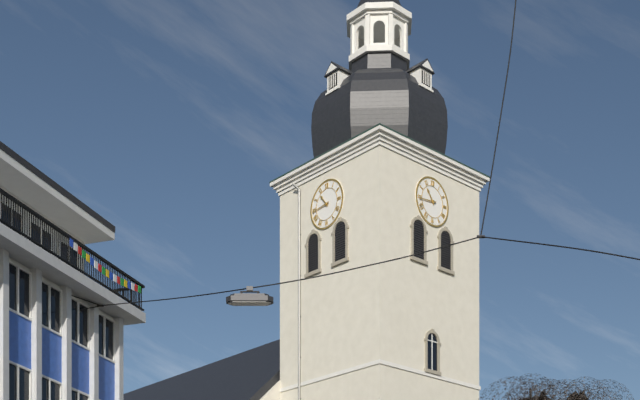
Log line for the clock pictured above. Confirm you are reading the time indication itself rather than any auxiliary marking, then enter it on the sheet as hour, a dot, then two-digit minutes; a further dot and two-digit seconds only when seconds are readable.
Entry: 10.44
